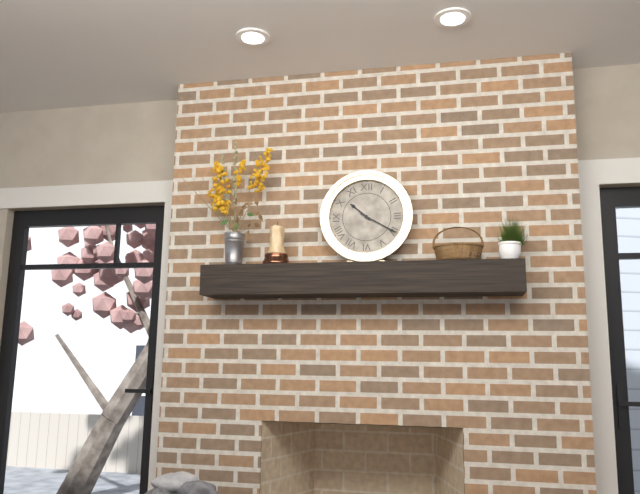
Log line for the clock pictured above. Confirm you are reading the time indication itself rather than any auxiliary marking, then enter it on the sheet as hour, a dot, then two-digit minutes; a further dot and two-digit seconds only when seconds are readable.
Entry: 10.20
